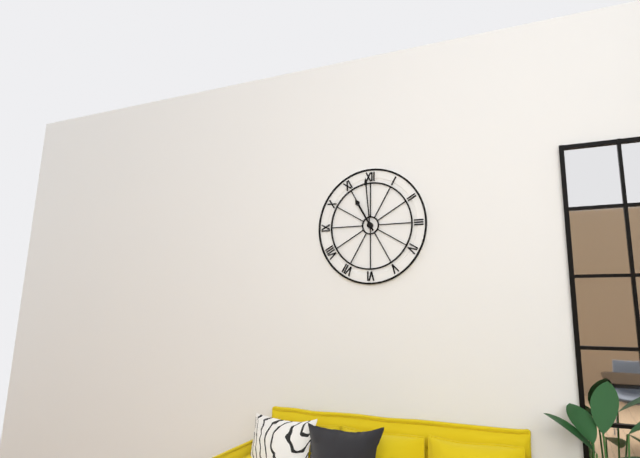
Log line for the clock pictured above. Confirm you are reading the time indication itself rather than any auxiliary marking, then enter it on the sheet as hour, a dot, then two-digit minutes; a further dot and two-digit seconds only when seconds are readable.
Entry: 10.59
